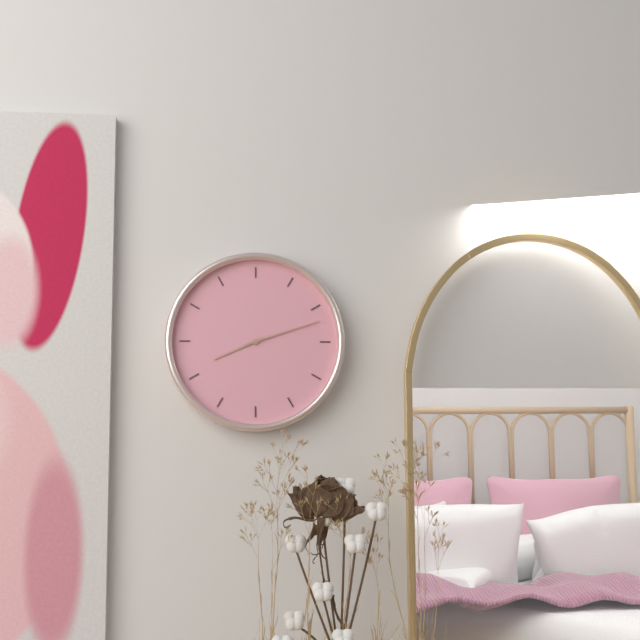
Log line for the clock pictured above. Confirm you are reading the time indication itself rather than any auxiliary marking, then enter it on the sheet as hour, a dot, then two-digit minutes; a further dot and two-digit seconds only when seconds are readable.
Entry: 8.12
